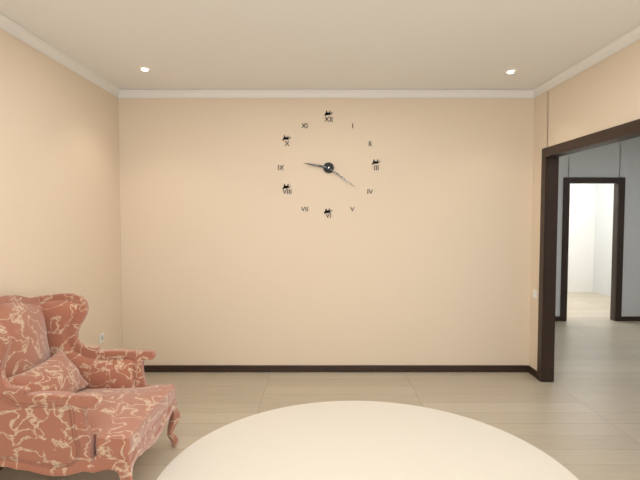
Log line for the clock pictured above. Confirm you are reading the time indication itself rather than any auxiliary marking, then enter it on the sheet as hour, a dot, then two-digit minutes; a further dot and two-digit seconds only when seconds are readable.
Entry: 9.21
